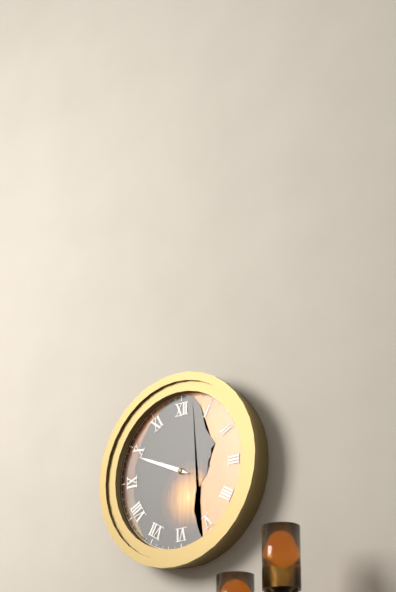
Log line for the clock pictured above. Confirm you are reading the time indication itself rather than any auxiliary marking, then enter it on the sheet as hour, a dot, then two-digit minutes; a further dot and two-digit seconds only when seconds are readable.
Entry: 9.49
